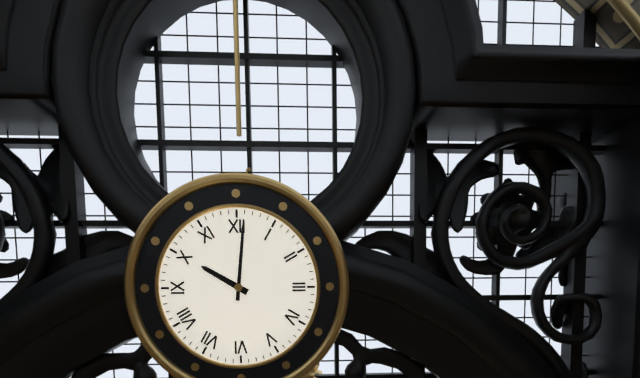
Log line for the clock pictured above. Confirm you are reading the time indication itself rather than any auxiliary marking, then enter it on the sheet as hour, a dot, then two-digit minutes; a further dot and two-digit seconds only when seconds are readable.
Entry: 10.01
